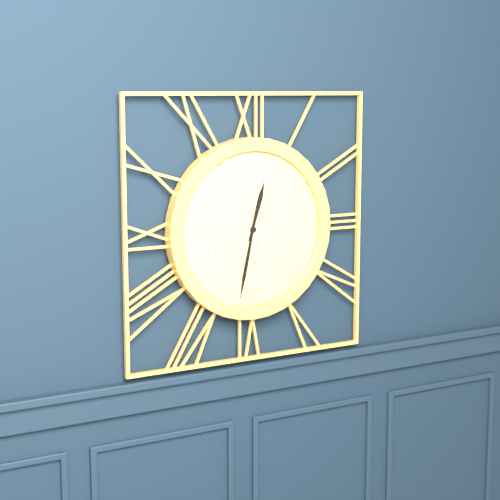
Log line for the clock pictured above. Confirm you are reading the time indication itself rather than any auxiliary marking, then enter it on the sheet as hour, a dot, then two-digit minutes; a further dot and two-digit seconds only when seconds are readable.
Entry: 12.32
